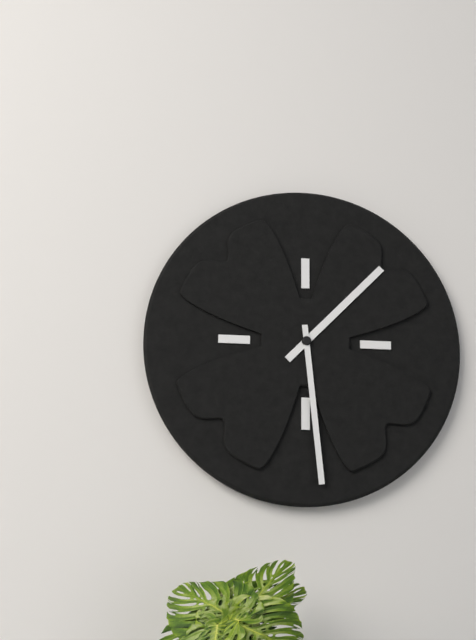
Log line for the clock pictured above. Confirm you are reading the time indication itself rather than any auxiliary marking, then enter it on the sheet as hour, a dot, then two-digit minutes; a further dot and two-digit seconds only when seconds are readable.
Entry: 1.29
